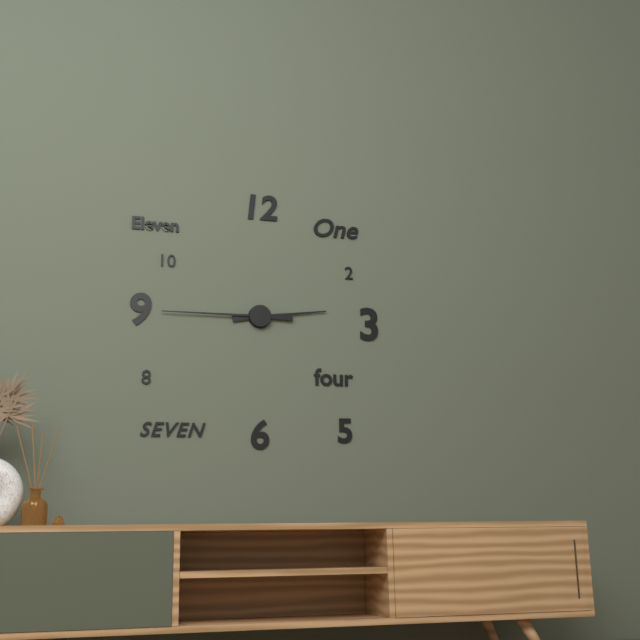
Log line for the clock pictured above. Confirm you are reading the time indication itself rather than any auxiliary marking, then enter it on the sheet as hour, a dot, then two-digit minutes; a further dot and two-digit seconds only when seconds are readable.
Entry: 2.45
